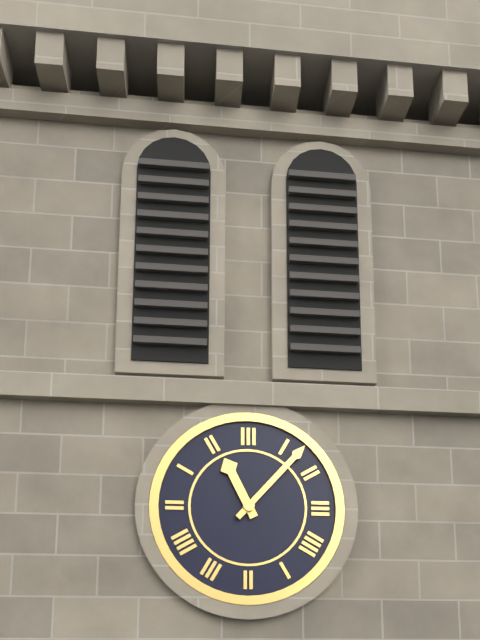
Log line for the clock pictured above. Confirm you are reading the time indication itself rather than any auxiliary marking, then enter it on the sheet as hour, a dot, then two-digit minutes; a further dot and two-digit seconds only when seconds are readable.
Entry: 11.07
